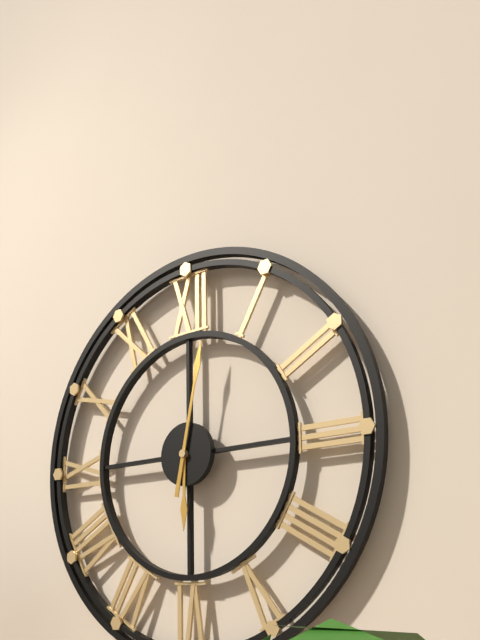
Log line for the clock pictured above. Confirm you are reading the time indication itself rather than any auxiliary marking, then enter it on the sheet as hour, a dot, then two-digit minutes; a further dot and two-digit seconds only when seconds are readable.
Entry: 6.02
